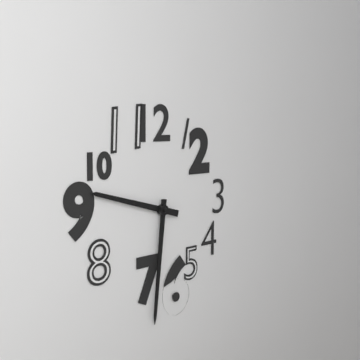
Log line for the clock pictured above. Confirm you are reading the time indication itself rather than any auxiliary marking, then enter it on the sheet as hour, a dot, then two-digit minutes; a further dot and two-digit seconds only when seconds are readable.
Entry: 9.31
